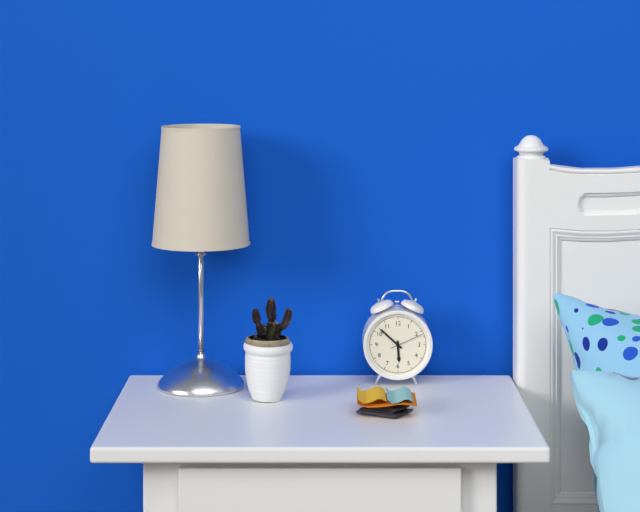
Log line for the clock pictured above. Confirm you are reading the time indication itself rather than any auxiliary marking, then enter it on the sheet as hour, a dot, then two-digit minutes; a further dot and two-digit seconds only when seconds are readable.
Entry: 5.52
